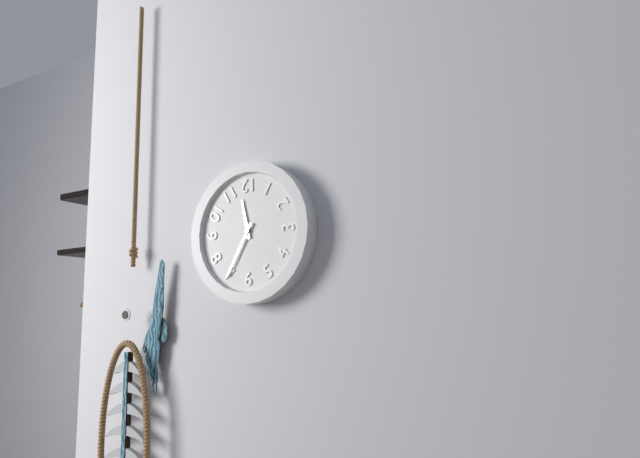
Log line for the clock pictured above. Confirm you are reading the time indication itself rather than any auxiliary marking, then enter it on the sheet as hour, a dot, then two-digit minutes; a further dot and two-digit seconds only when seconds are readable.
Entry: 11.35
